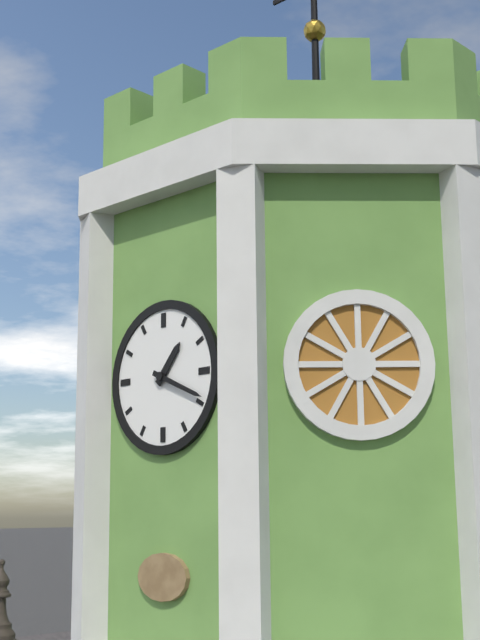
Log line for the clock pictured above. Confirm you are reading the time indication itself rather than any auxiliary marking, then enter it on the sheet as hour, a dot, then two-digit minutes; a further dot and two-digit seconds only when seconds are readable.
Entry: 1.19
